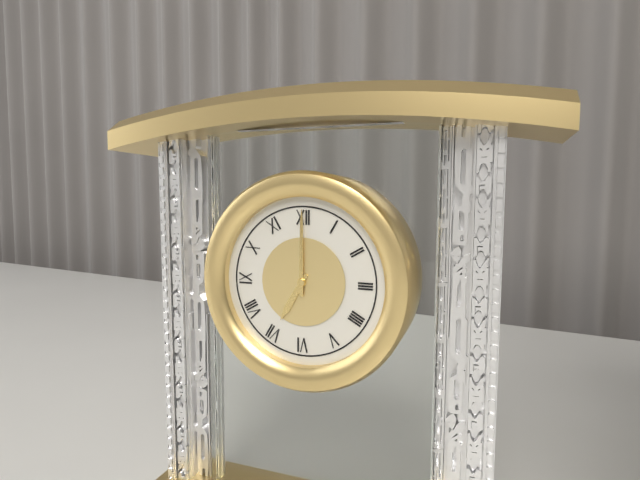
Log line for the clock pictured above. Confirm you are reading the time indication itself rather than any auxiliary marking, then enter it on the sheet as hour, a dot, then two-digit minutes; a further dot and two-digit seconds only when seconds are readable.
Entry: 7.00
